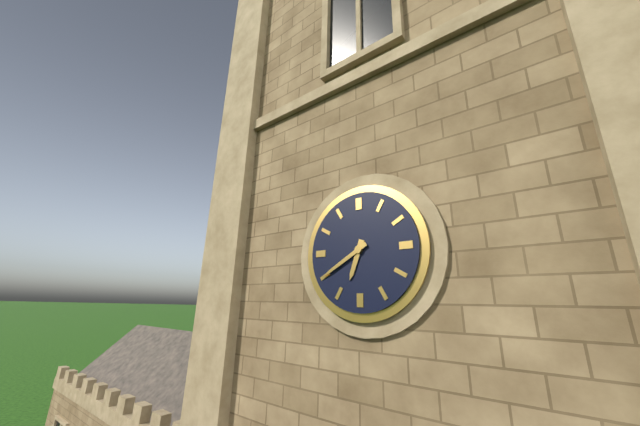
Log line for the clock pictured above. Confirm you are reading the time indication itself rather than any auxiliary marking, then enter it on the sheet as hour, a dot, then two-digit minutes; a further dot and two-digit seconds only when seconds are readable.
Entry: 6.40
